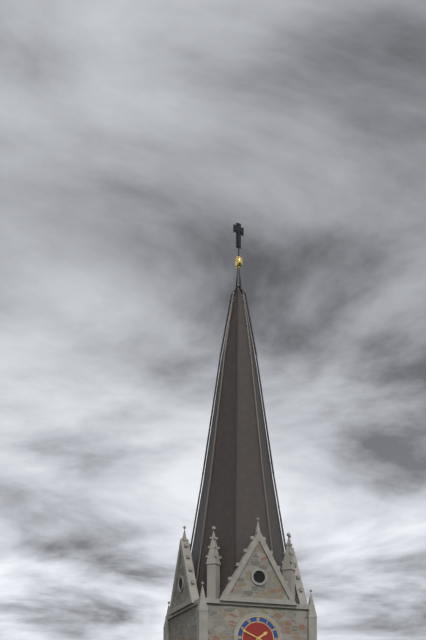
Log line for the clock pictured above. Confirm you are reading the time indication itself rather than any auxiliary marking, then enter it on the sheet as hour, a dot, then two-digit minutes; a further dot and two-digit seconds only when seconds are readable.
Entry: 1.49
